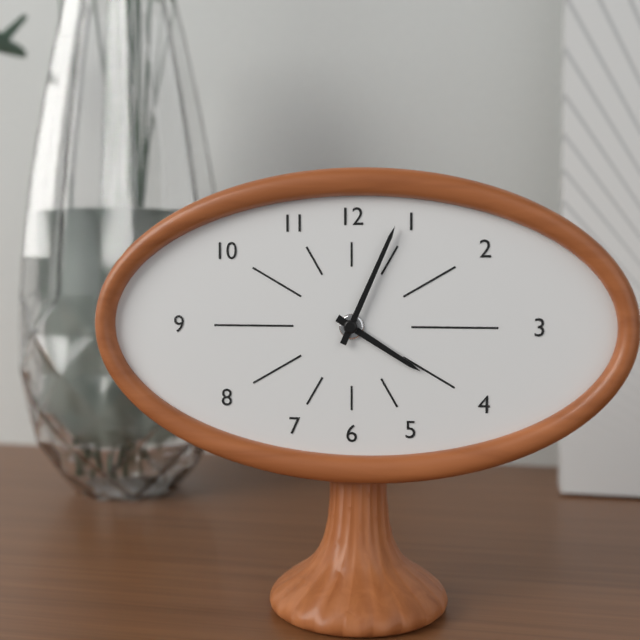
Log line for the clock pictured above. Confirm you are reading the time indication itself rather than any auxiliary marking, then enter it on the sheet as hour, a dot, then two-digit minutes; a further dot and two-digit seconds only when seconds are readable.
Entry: 4.04
